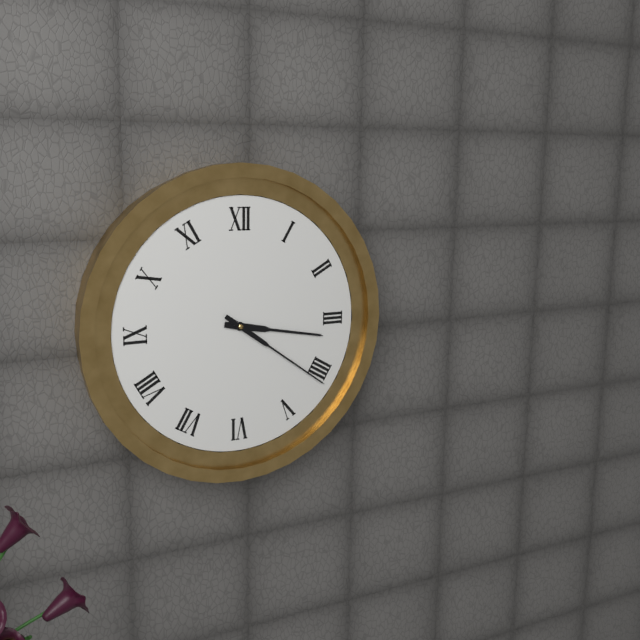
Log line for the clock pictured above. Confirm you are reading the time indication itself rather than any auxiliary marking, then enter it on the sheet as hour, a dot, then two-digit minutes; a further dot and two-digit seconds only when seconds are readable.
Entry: 3.21
